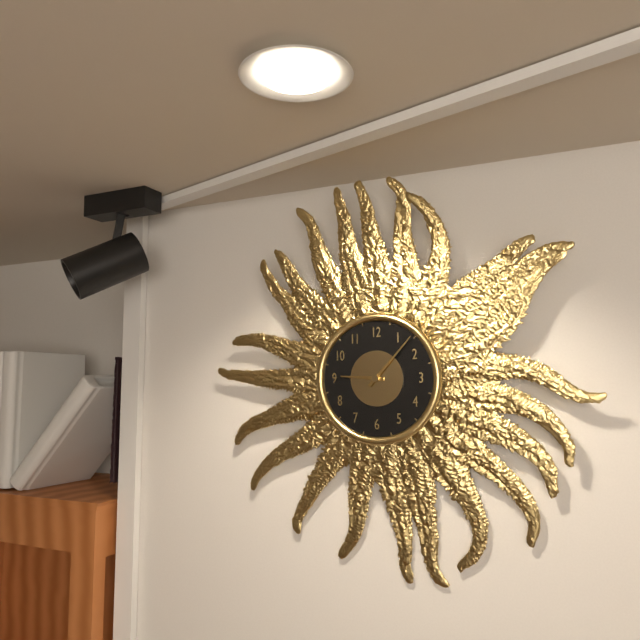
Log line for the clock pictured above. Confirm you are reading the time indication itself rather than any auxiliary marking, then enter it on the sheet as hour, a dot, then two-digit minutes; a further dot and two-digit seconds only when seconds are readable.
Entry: 9.07
